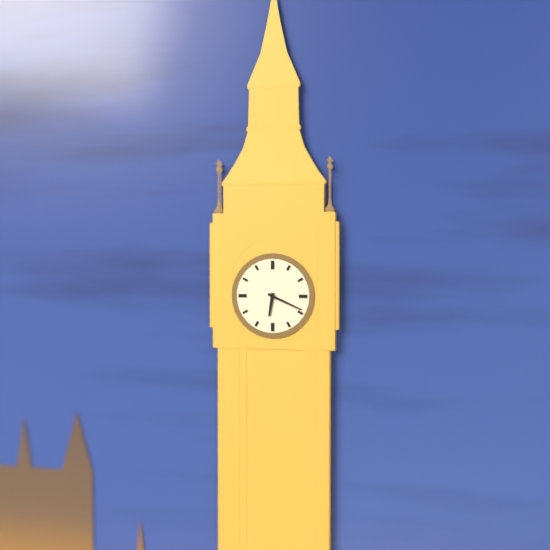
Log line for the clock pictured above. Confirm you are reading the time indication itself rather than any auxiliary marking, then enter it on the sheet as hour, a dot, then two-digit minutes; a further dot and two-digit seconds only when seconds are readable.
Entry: 6.19
